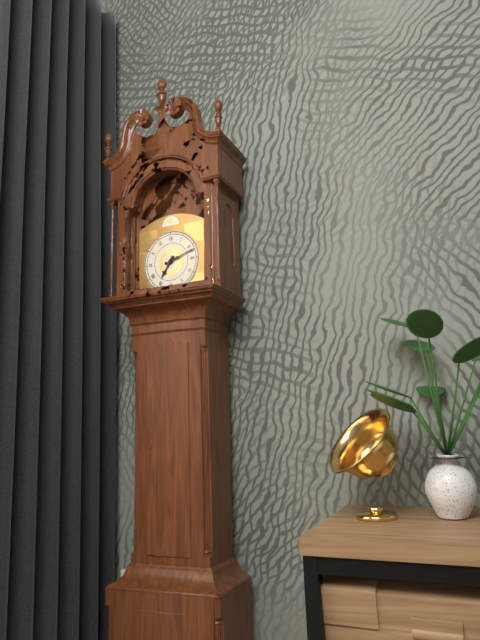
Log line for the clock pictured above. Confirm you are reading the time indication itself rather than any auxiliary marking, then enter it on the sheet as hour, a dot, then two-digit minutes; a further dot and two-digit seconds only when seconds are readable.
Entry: 7.12
